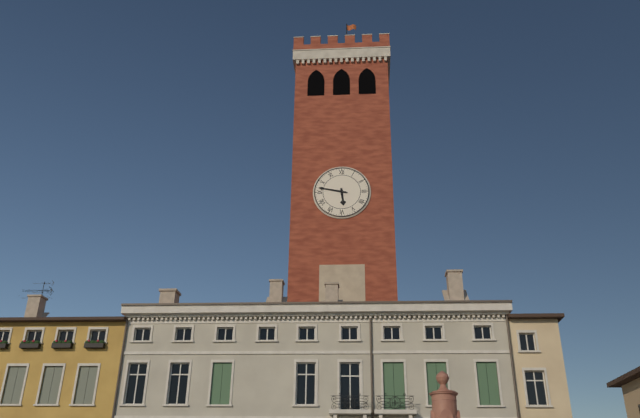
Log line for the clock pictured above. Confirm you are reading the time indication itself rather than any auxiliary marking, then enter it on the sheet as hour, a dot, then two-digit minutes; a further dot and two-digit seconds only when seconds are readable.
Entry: 5.47
